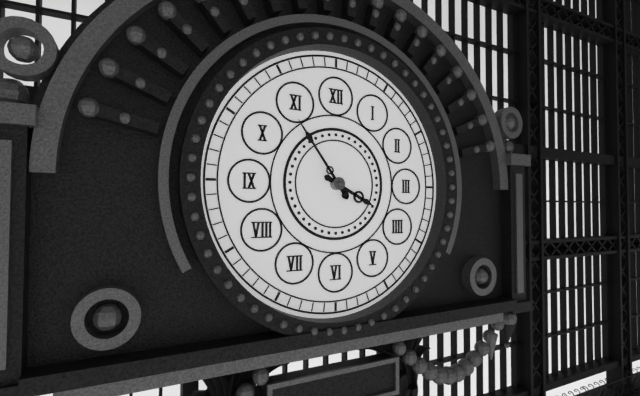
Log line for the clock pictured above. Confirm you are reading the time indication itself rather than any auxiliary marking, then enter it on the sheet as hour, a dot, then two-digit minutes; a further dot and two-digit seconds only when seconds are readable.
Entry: 3.54
